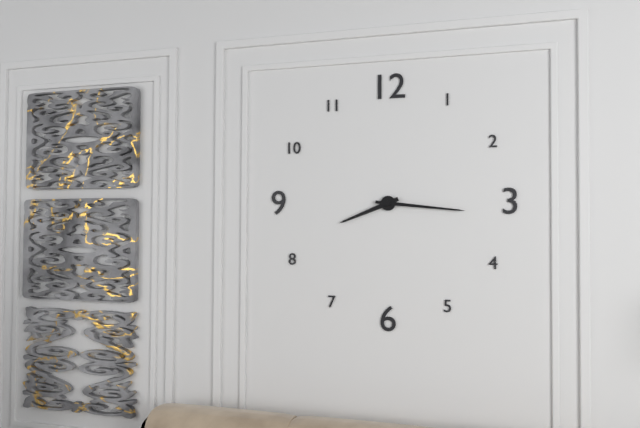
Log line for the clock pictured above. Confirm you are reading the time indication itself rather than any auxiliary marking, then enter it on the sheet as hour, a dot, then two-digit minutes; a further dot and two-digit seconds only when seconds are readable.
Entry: 8.16
